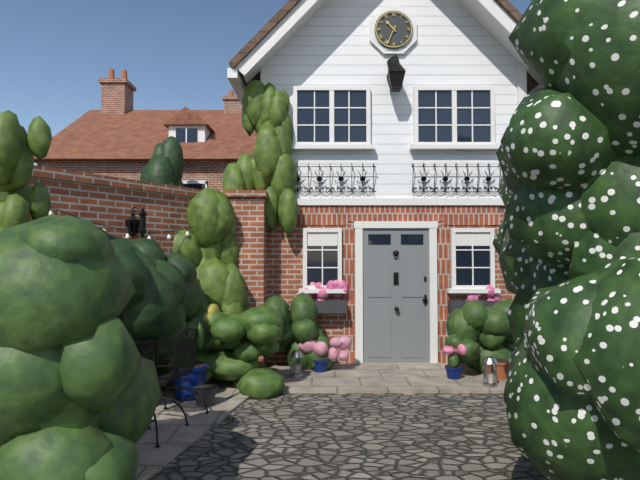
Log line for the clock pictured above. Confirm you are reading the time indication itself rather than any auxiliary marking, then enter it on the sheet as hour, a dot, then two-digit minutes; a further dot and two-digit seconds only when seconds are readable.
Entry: 10.34
